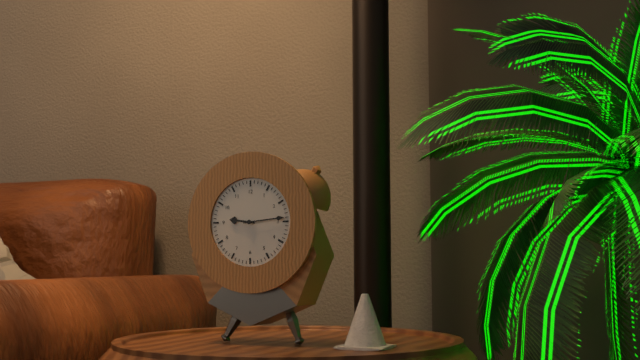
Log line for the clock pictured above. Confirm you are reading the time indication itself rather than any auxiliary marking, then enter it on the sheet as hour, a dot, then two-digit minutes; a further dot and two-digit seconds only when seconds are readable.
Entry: 9.14
